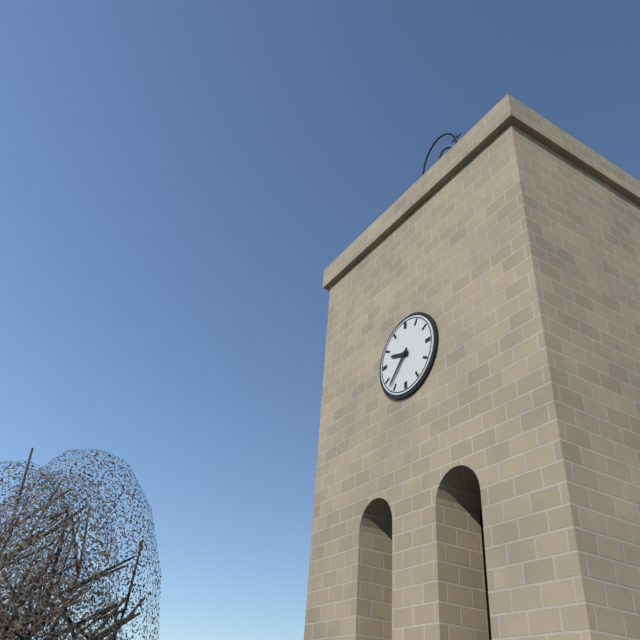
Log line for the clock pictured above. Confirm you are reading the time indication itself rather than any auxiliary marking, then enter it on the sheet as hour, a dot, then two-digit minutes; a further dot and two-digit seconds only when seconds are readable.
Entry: 9.37
